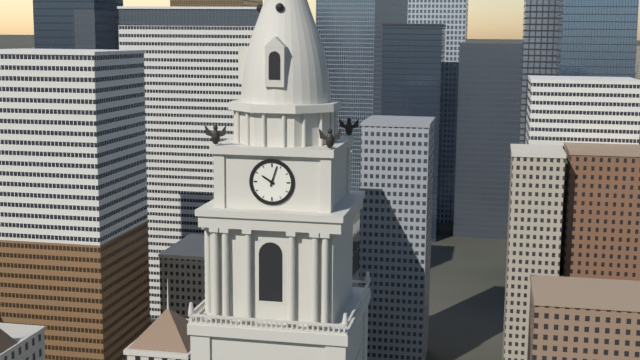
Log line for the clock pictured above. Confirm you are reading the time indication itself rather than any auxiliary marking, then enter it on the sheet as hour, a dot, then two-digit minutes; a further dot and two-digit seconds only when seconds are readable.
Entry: 10.03
